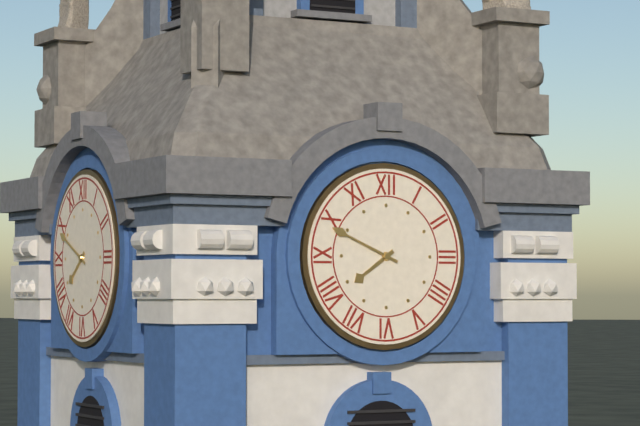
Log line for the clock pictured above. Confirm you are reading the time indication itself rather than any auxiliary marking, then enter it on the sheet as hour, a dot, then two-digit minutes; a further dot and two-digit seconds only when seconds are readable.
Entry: 7.49
